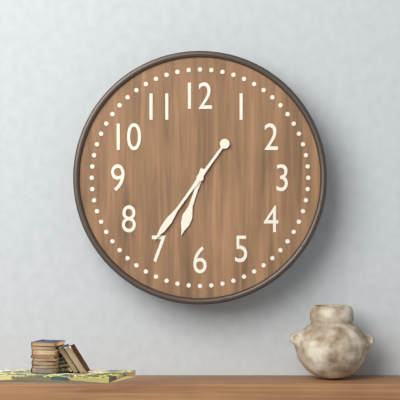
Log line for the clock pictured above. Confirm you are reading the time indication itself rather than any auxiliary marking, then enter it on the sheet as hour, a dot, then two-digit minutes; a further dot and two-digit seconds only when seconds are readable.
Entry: 6.36
